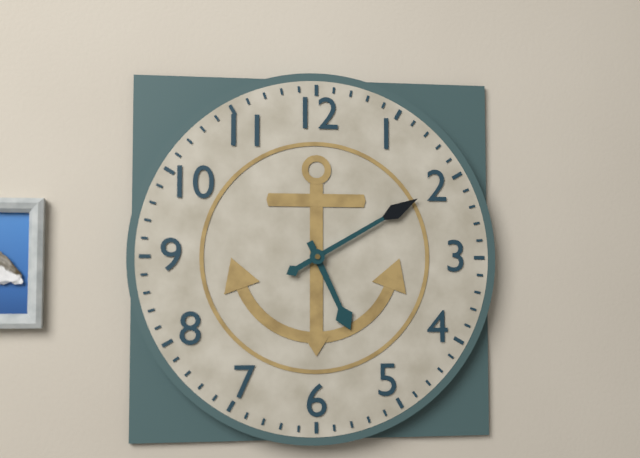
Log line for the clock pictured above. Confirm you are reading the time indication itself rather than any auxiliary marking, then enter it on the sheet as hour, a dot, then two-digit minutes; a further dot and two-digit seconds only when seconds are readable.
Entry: 5.10
